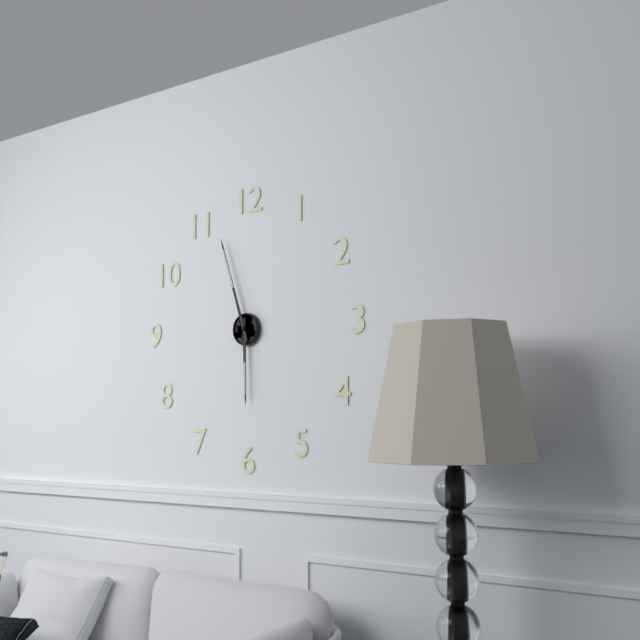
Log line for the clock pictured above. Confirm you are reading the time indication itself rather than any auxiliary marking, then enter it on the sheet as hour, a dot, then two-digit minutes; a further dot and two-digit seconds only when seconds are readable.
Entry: 5.57
